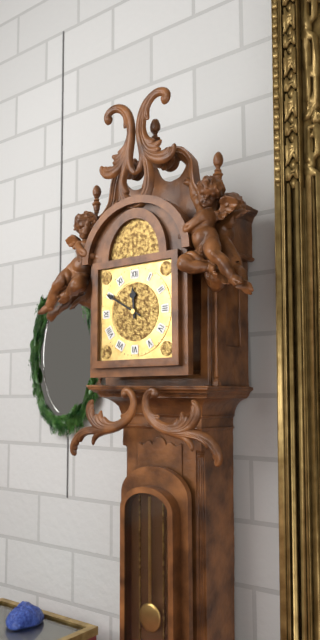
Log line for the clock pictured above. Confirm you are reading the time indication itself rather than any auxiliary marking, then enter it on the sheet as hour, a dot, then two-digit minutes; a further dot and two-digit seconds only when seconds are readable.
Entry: 11.50
